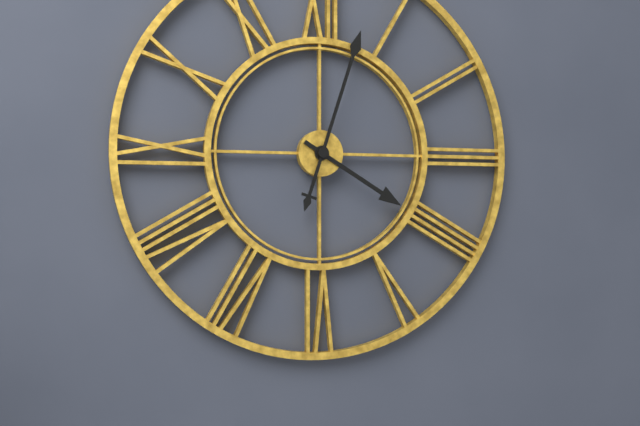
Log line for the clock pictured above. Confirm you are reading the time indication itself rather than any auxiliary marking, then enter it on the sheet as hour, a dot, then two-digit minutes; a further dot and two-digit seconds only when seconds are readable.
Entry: 4.03
